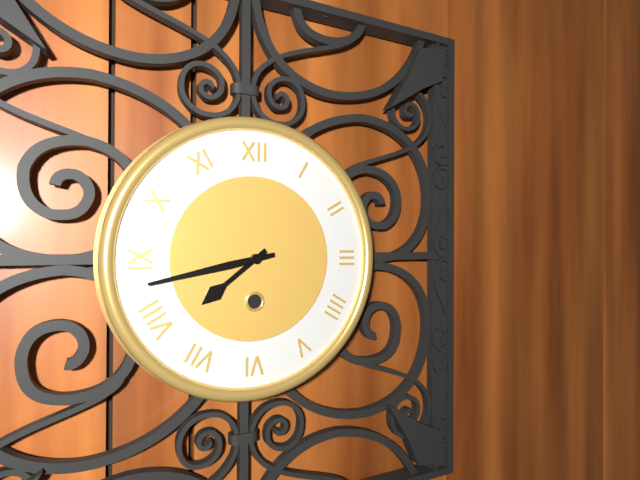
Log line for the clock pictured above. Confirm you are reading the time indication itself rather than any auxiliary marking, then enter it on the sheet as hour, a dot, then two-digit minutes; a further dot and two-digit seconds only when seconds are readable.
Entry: 7.43
